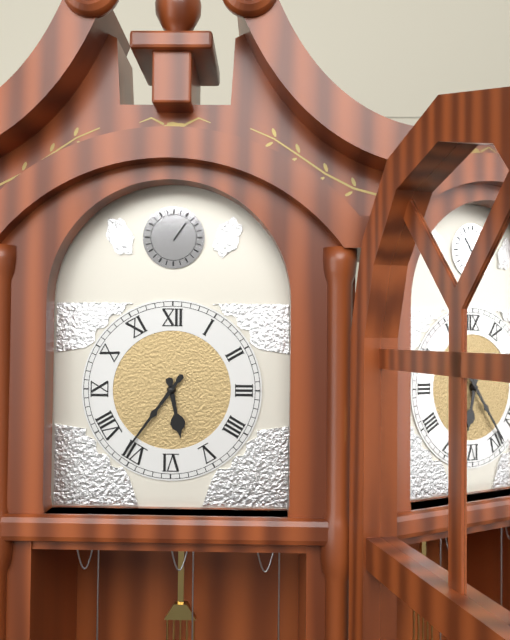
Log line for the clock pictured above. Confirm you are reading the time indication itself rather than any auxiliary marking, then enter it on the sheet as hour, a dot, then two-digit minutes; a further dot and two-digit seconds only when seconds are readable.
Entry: 5.36
